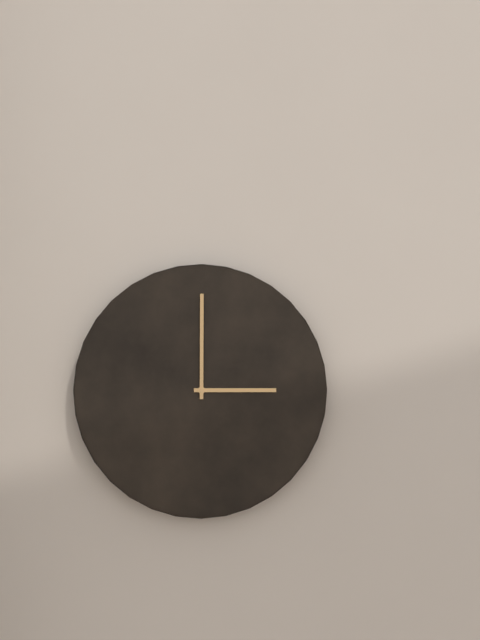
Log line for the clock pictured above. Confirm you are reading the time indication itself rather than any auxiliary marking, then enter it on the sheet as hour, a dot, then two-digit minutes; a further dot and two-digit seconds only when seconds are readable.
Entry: 3.00
